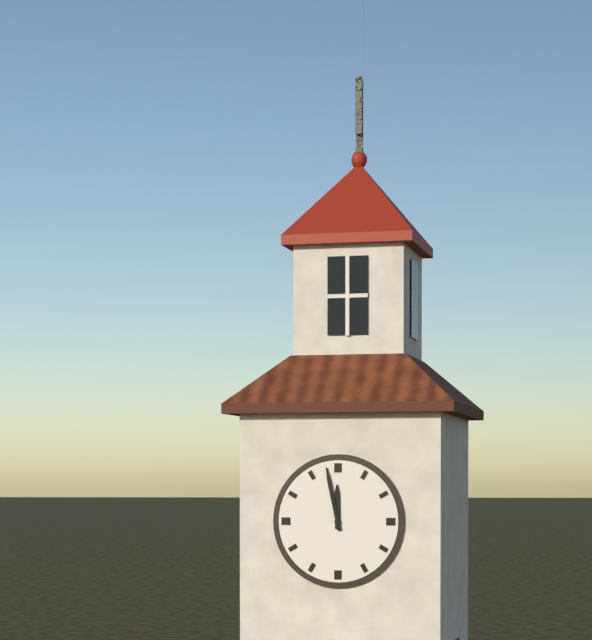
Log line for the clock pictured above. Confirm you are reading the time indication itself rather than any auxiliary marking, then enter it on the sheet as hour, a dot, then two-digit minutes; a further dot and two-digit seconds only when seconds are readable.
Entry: 11.58
